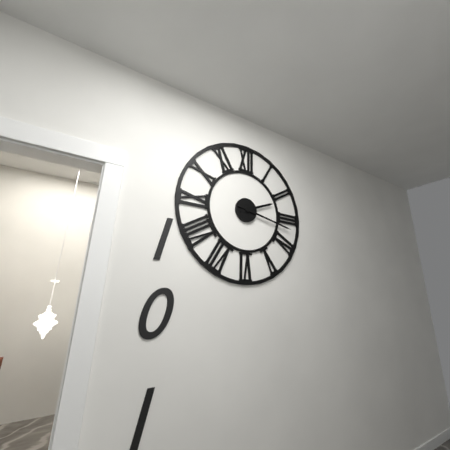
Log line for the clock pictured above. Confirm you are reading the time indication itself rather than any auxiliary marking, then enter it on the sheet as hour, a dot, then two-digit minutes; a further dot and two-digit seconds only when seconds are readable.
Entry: 2.17
